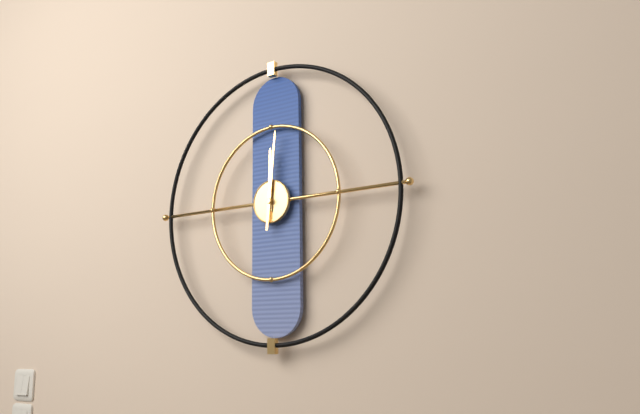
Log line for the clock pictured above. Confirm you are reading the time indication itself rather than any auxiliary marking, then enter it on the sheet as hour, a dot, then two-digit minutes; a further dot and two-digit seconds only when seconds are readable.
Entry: 12.01
